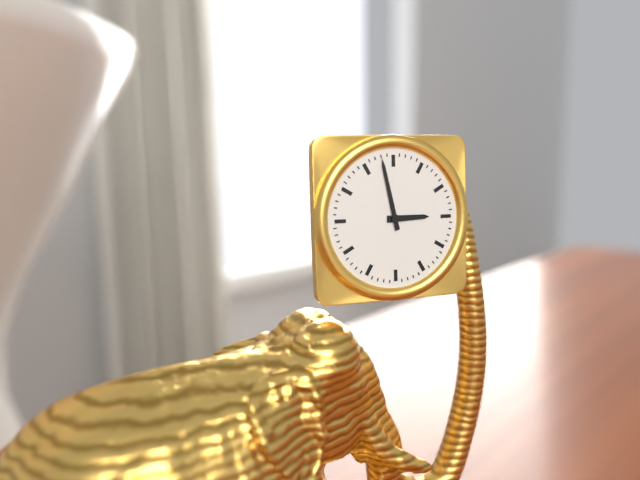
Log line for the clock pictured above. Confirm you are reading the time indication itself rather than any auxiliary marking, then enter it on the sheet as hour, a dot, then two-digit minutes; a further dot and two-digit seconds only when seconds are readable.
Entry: 2.58
